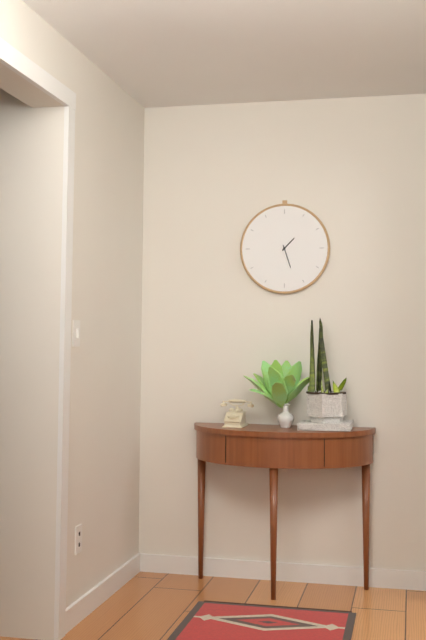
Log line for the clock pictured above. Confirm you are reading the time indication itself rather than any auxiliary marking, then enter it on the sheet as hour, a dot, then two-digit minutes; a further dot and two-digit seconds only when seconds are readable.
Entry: 1.27
